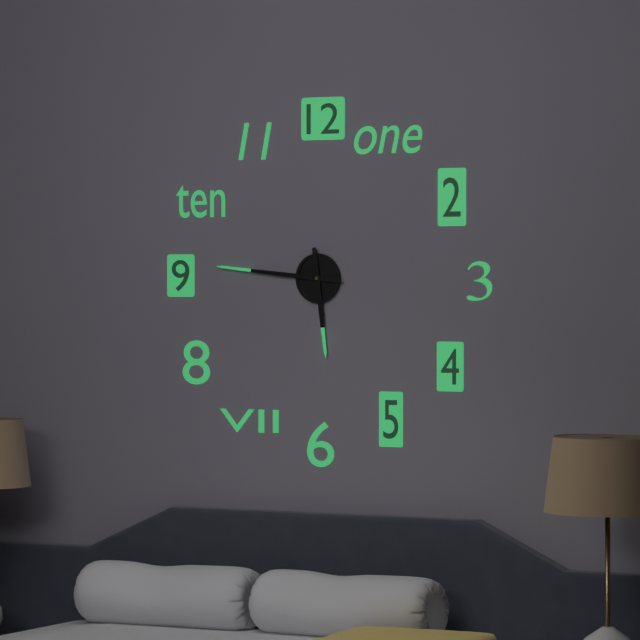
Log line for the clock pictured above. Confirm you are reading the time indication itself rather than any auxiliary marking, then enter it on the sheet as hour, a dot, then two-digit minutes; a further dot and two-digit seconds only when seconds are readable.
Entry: 5.46
